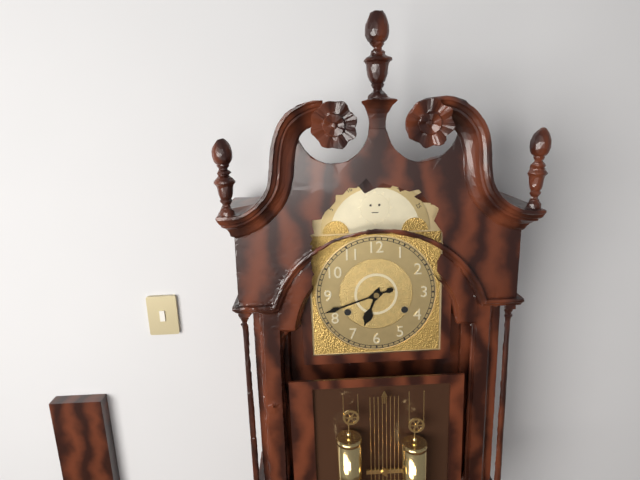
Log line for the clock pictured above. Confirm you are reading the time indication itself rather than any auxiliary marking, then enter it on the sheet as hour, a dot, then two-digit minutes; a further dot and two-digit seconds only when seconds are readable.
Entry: 6.42
